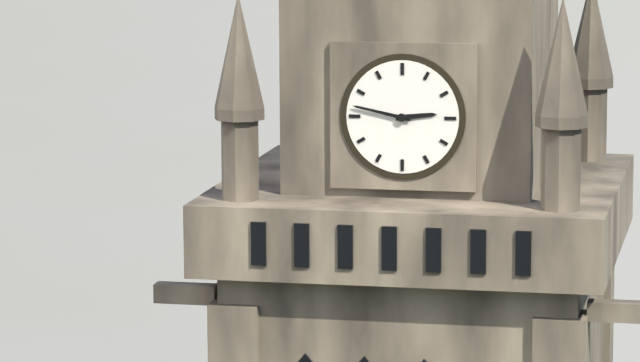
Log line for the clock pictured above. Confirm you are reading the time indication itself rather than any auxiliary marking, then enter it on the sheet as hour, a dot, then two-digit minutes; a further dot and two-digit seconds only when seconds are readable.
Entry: 2.47
